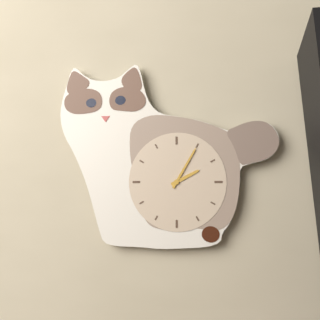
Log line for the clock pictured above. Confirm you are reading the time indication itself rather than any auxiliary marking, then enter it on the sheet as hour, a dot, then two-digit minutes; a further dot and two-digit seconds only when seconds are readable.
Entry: 2.05
